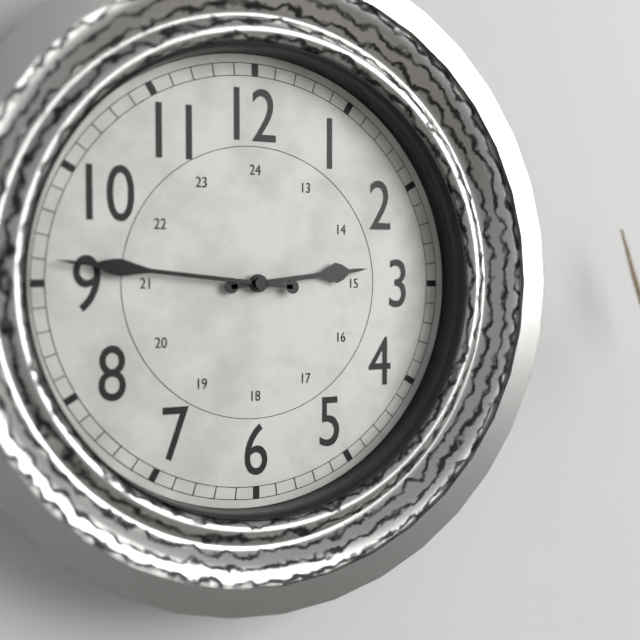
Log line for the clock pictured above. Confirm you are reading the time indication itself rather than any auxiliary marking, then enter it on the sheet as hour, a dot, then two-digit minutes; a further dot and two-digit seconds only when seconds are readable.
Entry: 2.46
